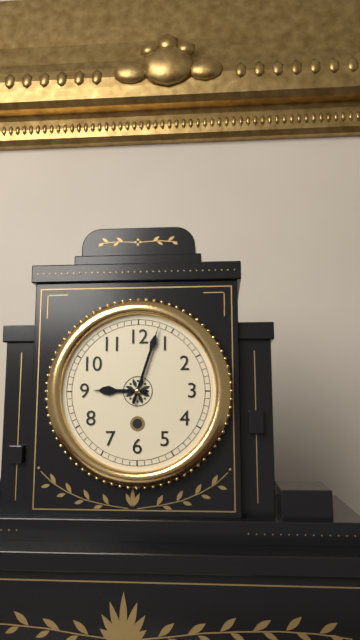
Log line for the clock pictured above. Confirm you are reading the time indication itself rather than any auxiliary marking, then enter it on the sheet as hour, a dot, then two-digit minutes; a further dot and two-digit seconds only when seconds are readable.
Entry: 9.03
